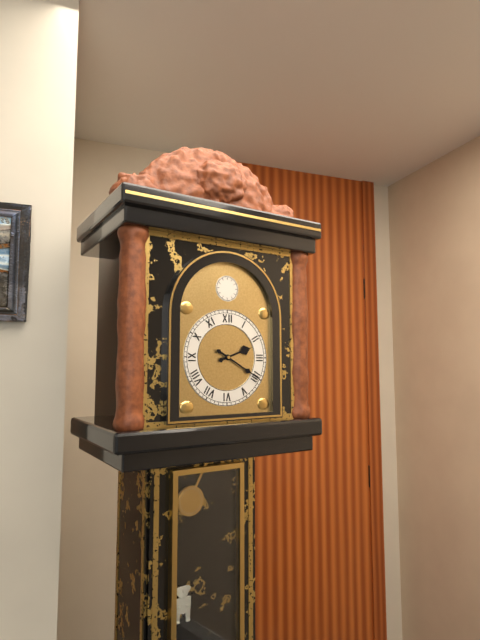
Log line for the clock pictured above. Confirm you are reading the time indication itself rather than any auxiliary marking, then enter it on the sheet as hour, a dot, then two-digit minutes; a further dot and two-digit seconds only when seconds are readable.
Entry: 2.20
